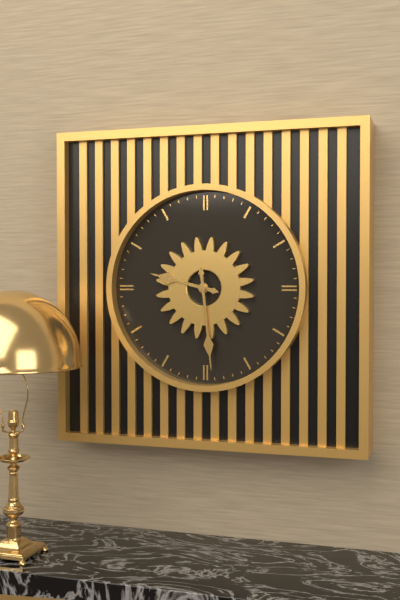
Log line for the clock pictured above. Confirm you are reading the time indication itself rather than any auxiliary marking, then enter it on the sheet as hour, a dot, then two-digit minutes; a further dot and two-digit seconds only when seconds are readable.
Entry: 9.29
